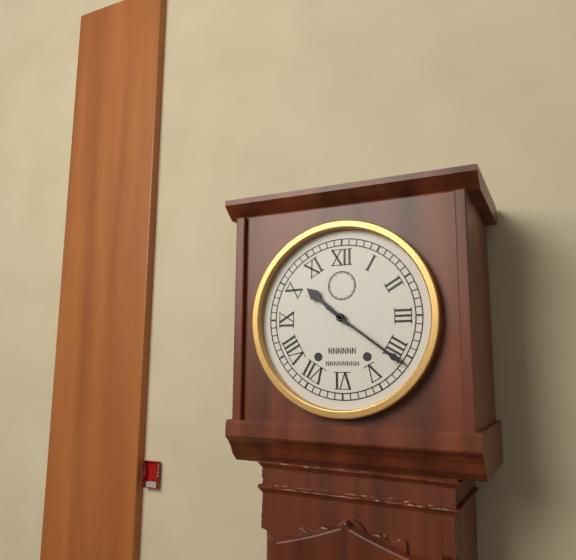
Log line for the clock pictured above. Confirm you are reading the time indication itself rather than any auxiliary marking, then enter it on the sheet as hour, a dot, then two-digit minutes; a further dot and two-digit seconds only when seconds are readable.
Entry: 10.21
